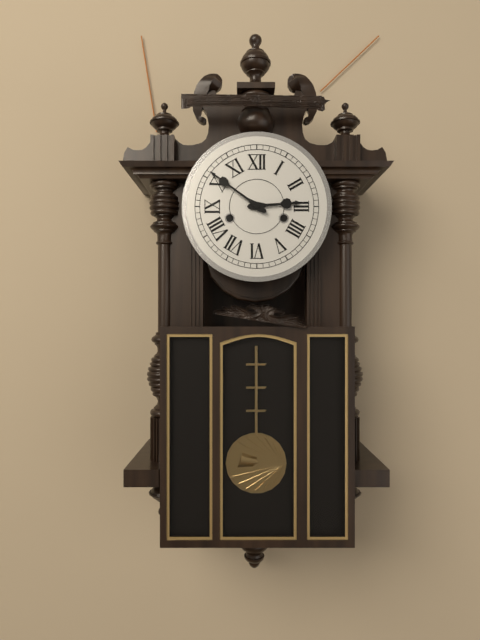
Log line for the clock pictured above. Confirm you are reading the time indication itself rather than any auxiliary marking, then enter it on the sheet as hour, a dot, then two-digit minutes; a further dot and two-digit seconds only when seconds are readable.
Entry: 2.51
